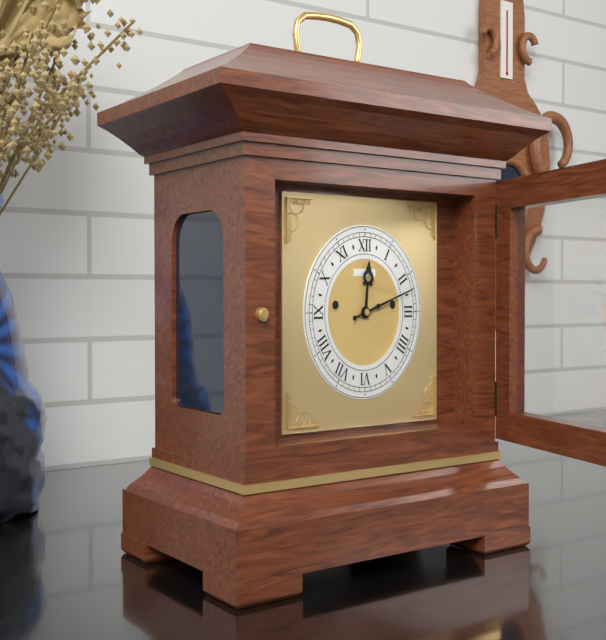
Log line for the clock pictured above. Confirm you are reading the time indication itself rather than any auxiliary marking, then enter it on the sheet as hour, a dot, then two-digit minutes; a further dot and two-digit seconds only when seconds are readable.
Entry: 12.12
